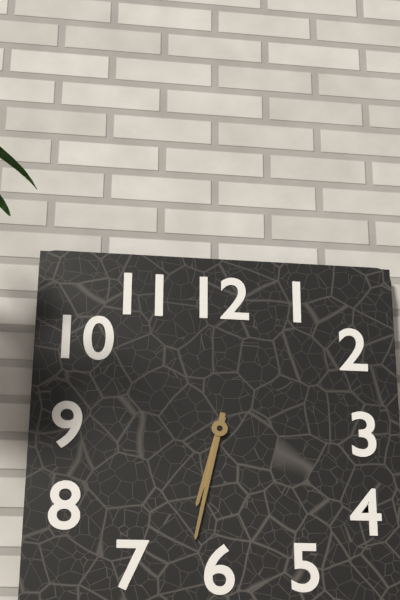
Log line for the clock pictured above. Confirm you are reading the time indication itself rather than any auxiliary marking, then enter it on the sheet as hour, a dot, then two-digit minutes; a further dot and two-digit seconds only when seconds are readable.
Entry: 6.32
